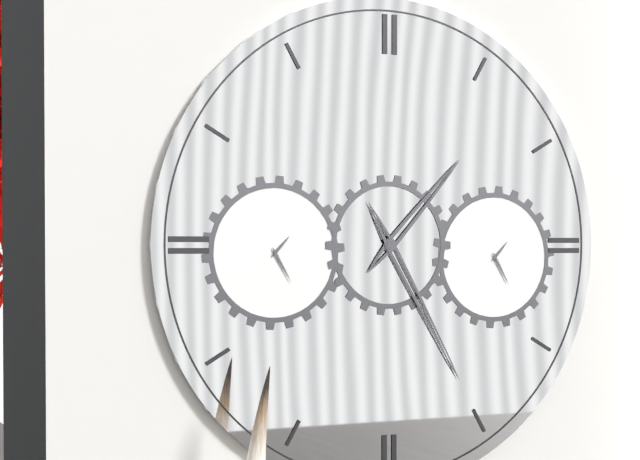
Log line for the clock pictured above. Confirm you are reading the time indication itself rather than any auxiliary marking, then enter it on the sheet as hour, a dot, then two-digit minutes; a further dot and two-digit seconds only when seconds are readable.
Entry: 1.25
